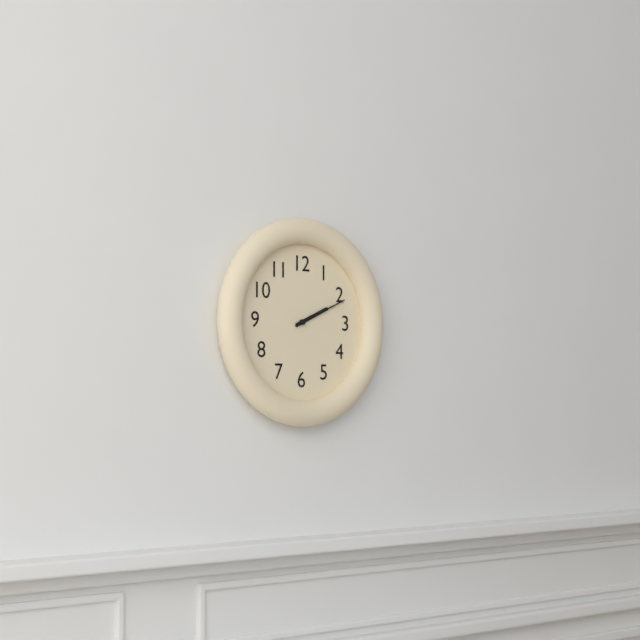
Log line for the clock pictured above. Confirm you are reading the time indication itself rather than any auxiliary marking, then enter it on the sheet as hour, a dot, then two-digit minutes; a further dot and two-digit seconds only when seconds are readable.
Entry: 2.11
